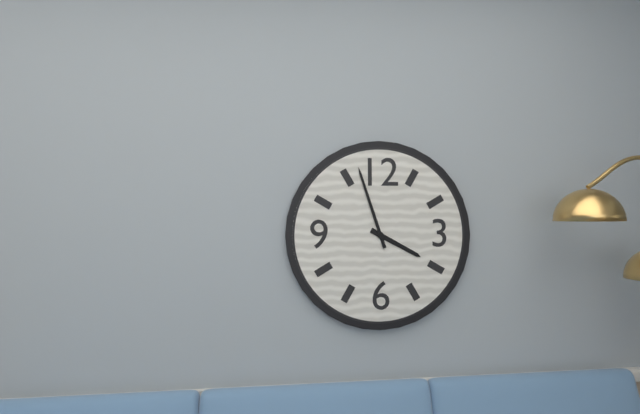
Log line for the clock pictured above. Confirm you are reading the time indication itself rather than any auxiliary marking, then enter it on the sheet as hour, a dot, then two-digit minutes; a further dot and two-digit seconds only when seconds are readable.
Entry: 3.57
